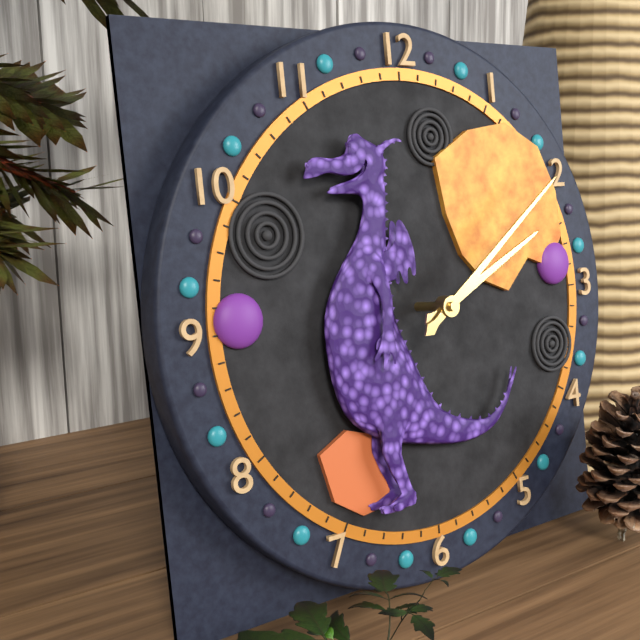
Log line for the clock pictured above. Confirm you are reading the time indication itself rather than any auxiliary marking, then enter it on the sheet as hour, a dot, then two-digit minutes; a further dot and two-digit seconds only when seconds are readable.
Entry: 2.09
